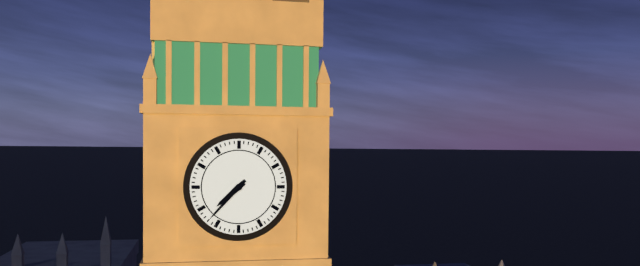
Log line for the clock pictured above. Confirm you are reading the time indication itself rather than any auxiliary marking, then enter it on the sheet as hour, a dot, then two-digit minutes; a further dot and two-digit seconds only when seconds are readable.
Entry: 7.37
